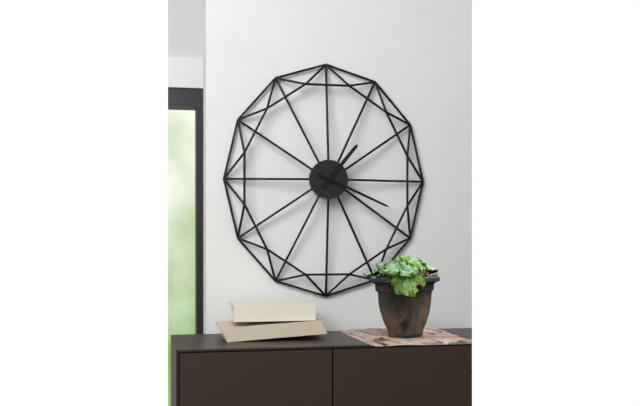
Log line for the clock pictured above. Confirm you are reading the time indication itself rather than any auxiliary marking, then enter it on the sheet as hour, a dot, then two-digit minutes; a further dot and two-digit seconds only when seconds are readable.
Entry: 1.19
